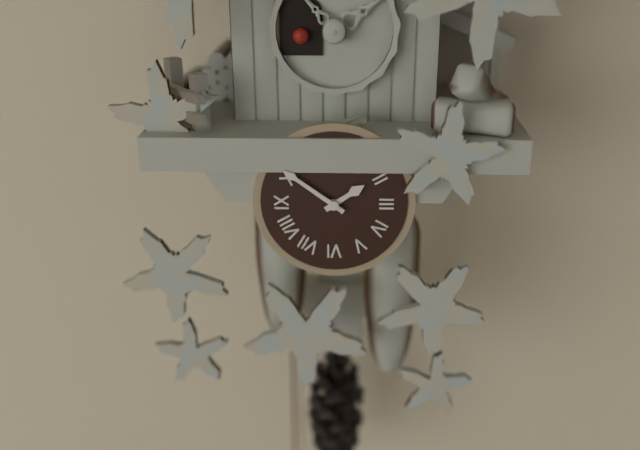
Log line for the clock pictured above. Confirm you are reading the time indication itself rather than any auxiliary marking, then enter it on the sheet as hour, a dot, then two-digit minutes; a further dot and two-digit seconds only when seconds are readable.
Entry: 1.51
